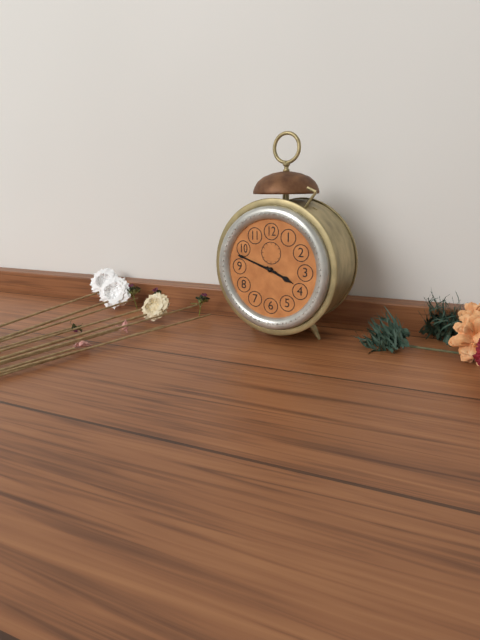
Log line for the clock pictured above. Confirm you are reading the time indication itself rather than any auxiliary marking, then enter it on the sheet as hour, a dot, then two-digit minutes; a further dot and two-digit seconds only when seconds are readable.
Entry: 3.48
